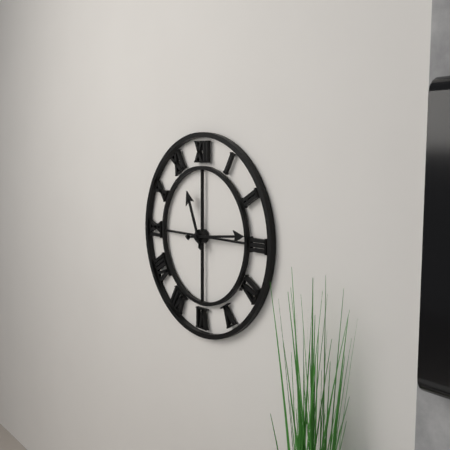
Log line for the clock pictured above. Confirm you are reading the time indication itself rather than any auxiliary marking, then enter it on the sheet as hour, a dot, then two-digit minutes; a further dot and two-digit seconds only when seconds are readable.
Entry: 11.14
